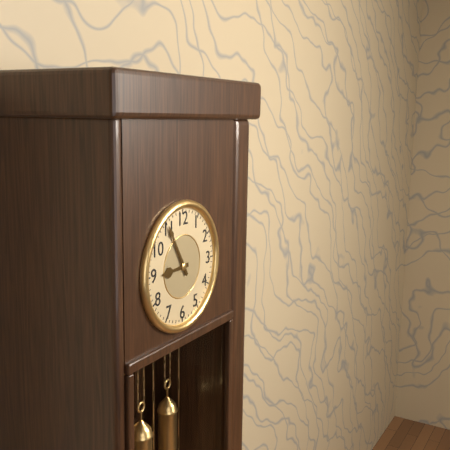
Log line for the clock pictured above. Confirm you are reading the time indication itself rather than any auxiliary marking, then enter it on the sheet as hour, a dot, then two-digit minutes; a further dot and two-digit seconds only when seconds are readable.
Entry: 8.55
